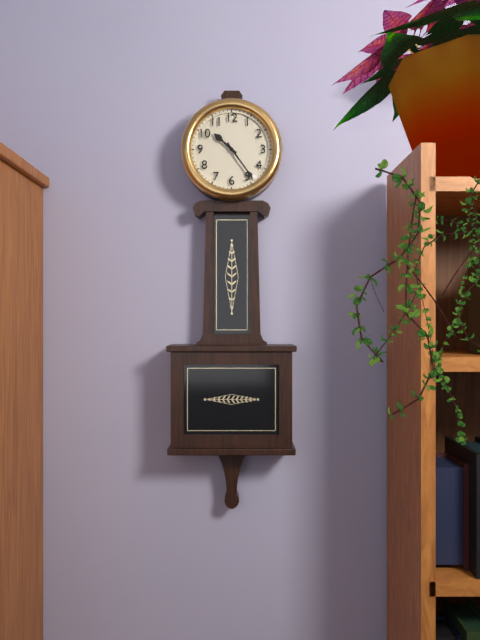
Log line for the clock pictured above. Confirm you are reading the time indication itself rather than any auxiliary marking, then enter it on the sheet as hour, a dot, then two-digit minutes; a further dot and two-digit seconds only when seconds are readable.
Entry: 10.24
